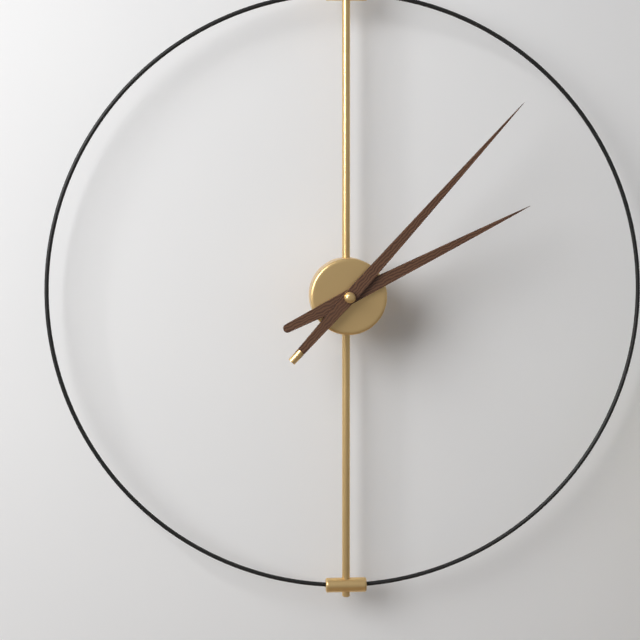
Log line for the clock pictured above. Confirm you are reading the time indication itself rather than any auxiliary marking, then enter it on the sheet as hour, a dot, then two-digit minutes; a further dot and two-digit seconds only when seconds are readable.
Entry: 2.07
